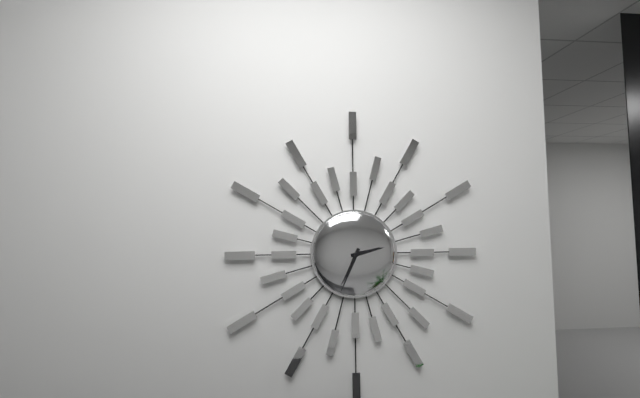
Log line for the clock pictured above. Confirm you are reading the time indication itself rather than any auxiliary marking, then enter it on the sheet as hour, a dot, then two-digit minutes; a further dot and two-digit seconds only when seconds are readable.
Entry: 2.34
